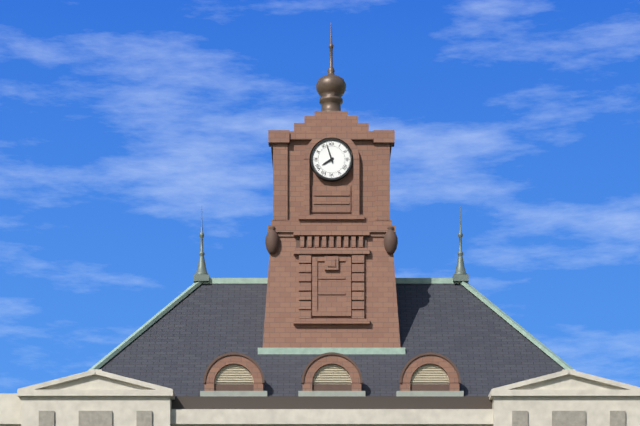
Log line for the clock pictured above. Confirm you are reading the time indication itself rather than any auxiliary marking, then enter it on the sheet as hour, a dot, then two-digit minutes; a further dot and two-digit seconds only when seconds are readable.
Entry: 7.57
